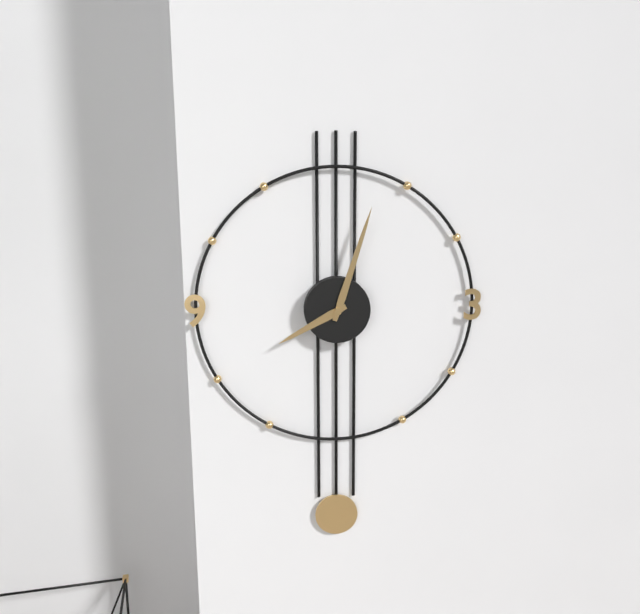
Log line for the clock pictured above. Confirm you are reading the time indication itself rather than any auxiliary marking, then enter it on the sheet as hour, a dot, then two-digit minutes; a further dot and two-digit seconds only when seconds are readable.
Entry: 8.03
